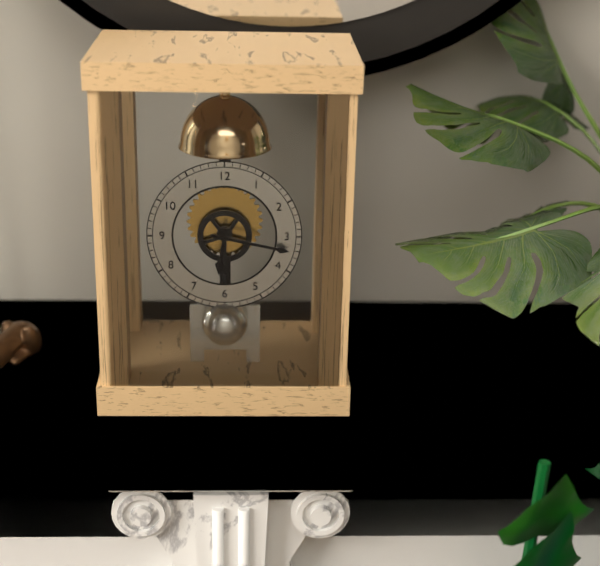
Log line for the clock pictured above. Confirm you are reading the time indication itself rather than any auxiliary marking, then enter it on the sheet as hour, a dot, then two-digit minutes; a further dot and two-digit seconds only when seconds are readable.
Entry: 6.17
